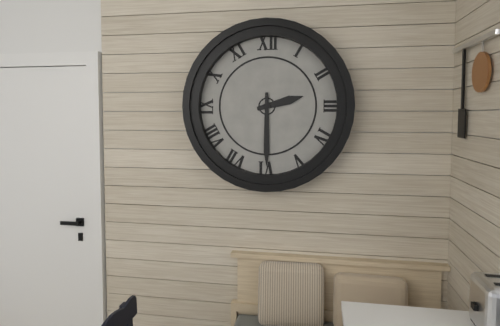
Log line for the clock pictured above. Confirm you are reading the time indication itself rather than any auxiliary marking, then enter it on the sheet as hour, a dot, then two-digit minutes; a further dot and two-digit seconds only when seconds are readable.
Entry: 2.30
